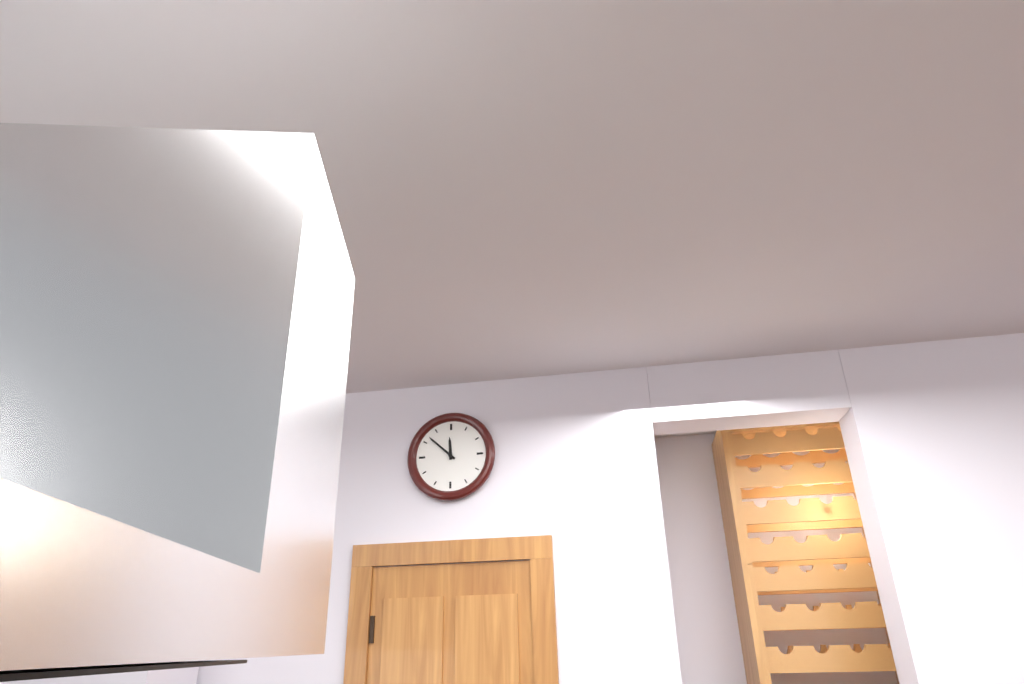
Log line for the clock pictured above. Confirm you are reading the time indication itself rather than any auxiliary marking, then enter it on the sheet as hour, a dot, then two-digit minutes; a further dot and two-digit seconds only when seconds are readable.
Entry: 11.52
